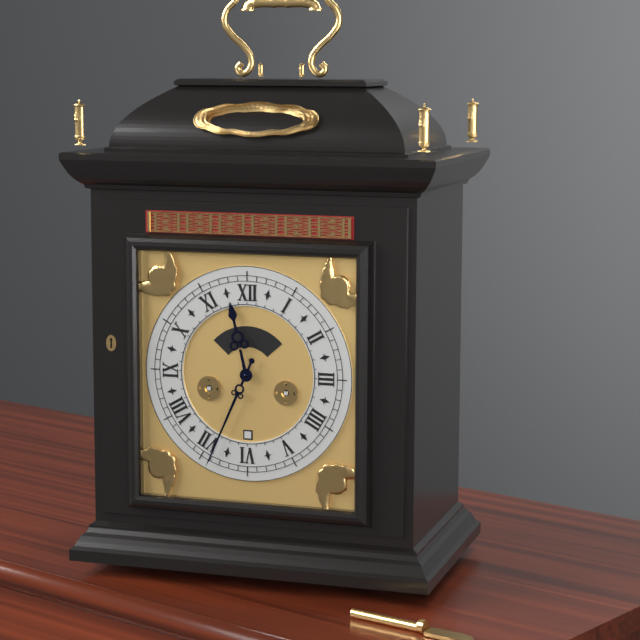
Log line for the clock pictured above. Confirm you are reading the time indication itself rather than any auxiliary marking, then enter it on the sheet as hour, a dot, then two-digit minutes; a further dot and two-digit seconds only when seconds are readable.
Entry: 11.34
